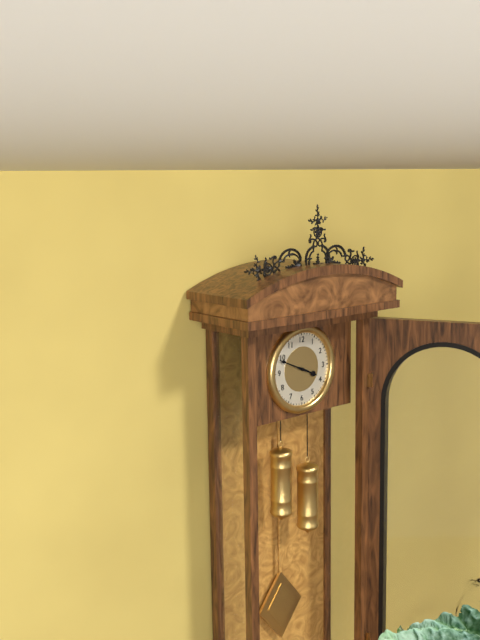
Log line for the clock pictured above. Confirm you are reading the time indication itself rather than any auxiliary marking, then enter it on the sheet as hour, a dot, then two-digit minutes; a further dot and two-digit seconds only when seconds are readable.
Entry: 3.49
